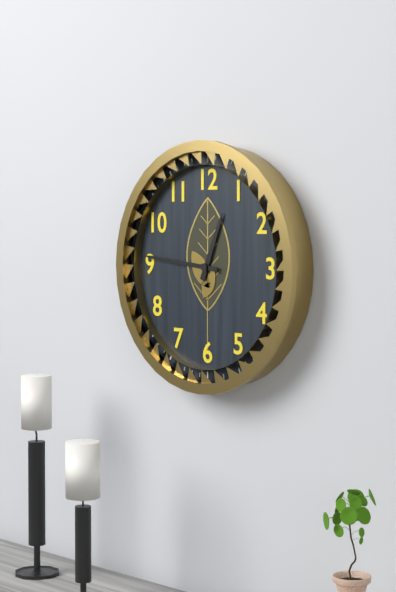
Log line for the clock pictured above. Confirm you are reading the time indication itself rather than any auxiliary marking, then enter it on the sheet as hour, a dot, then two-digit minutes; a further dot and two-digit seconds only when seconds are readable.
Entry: 12.46
